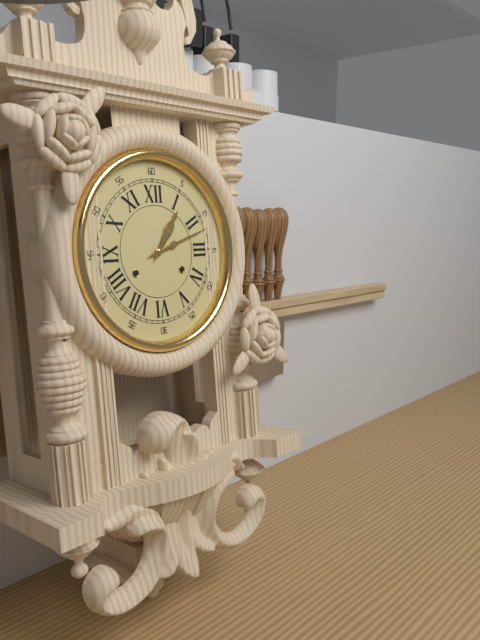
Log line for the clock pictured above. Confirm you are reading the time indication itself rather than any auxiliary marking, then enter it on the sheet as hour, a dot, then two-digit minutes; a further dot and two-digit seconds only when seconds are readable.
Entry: 1.12
